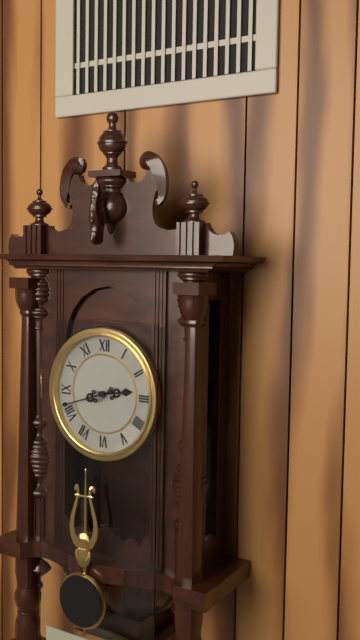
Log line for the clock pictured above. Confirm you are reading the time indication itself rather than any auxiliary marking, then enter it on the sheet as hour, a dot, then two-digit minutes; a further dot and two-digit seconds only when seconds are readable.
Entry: 2.42
